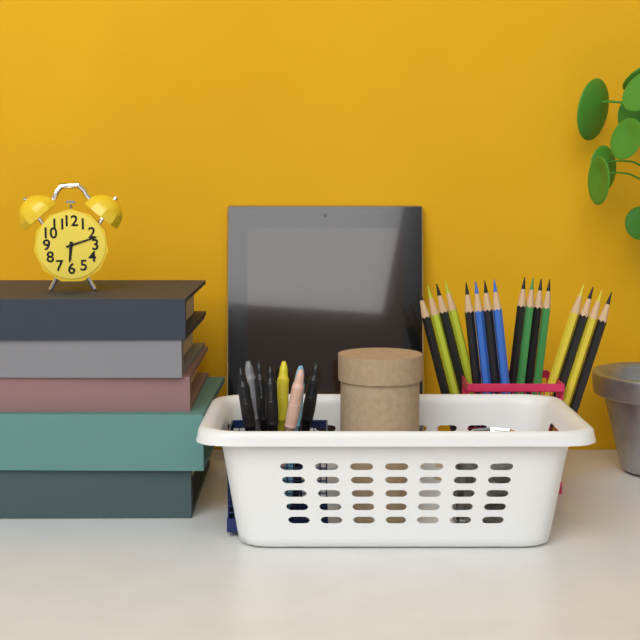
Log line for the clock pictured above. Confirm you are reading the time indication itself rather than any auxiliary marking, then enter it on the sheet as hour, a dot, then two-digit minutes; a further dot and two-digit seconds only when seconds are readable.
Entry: 6.12
